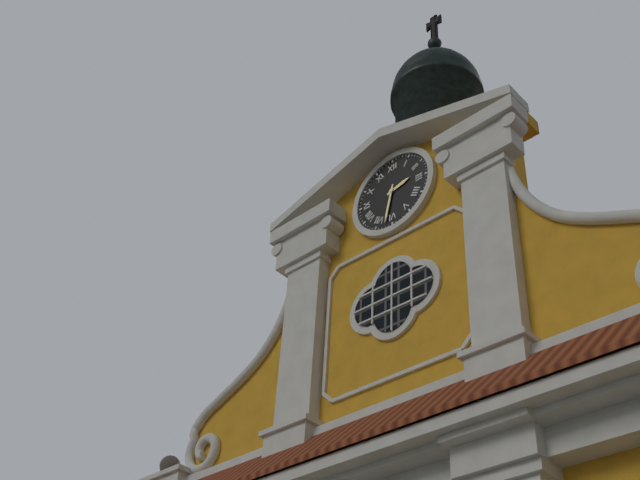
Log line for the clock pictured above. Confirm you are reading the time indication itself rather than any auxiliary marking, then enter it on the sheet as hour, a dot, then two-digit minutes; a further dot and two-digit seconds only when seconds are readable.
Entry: 2.32
